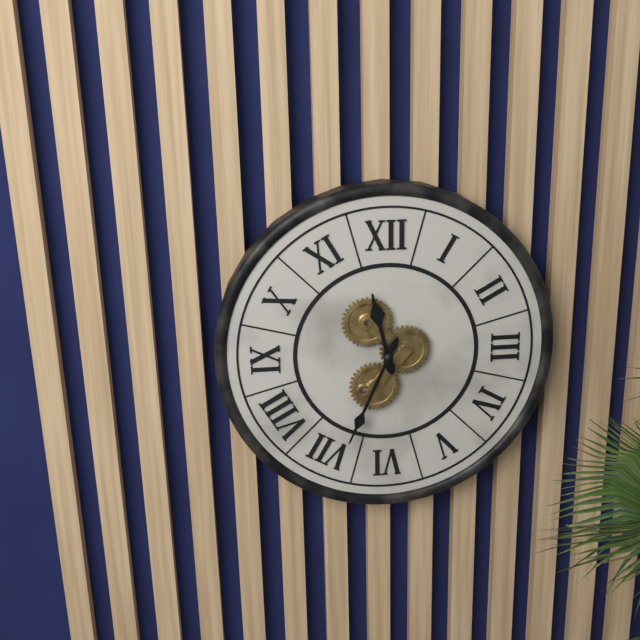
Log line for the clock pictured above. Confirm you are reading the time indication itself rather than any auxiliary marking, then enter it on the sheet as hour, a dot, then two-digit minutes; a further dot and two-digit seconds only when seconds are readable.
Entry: 11.34
